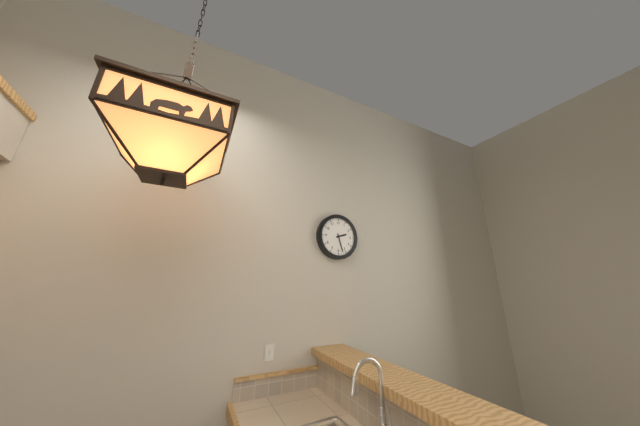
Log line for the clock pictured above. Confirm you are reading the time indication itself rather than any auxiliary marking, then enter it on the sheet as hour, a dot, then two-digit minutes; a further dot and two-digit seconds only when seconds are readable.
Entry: 2.27
